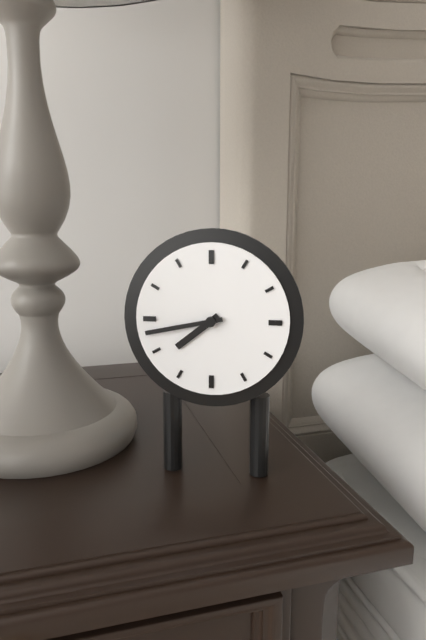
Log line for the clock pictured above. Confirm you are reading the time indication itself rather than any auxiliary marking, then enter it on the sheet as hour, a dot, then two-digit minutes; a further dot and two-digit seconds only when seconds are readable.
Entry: 7.43
